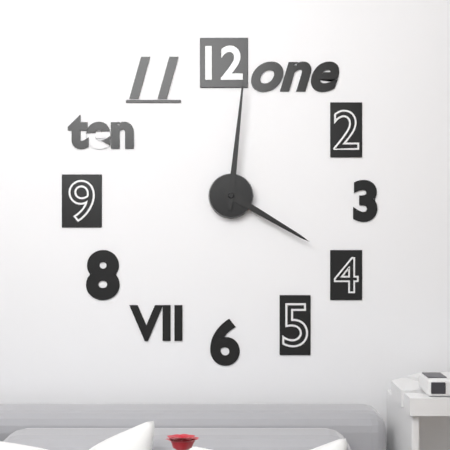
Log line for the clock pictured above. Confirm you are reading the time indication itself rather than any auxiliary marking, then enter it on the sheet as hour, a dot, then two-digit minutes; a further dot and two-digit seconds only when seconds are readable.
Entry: 4.01
